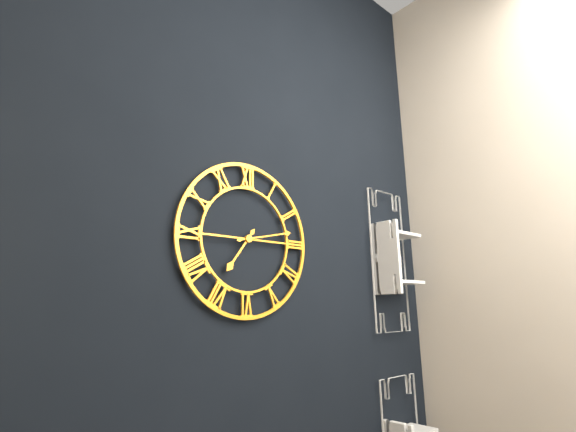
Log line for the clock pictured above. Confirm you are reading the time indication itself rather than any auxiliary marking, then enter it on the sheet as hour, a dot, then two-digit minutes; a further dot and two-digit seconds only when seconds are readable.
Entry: 7.13
